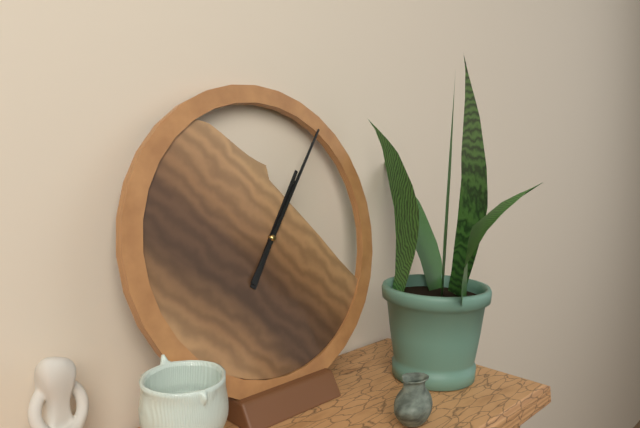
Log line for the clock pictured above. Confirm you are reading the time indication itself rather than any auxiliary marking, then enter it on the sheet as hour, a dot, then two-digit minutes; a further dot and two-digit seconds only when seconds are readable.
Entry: 1.06
